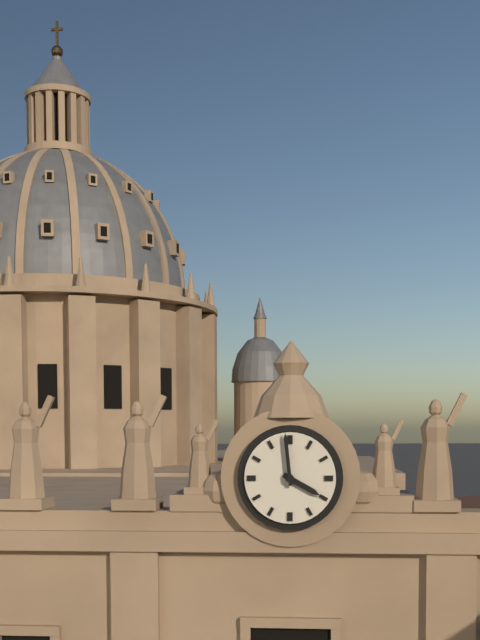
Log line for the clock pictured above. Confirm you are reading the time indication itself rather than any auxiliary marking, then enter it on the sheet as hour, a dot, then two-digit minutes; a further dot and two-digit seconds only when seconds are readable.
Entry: 3.59
